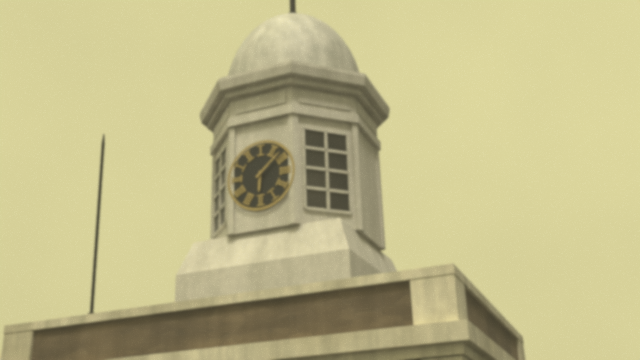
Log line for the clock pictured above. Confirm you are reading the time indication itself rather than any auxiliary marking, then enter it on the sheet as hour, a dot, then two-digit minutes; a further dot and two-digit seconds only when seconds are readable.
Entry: 6.08
